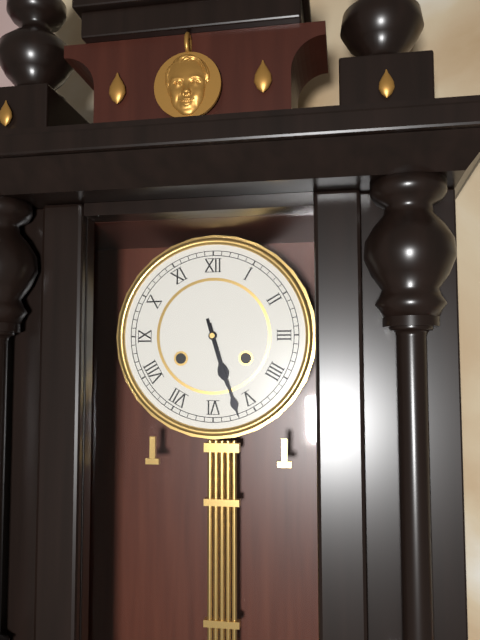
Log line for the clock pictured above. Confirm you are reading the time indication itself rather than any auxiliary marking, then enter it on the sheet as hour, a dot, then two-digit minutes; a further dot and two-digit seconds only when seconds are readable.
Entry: 5.27
